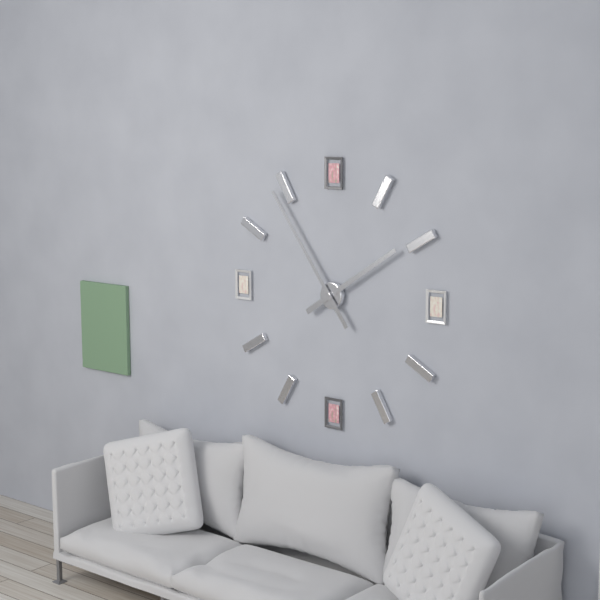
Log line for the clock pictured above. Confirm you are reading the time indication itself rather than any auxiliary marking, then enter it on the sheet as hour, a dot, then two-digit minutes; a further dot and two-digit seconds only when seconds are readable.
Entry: 1.54
